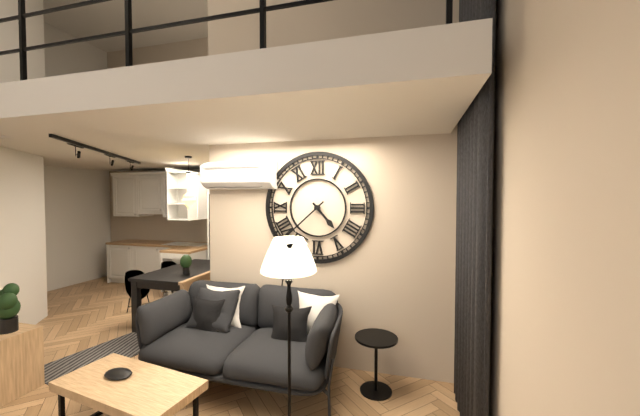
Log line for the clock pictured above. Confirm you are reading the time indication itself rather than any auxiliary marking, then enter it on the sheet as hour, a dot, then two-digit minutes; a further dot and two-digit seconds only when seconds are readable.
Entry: 4.38
